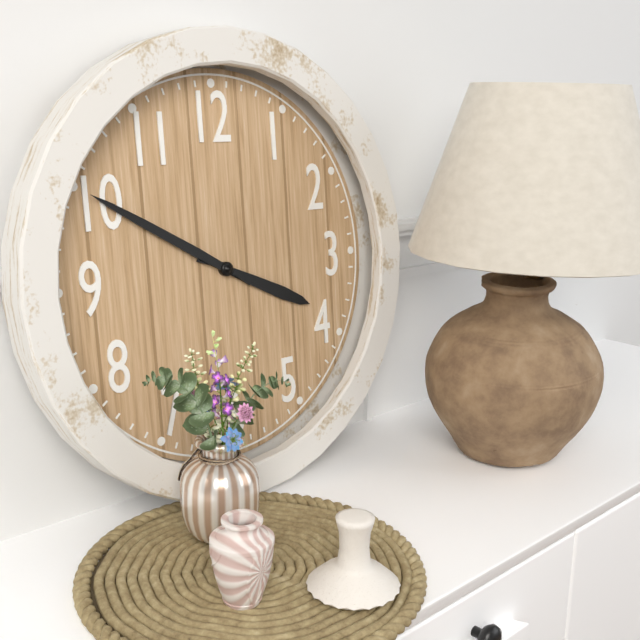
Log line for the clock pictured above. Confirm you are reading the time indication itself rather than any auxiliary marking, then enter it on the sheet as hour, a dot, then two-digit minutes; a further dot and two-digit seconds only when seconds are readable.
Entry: 3.50
